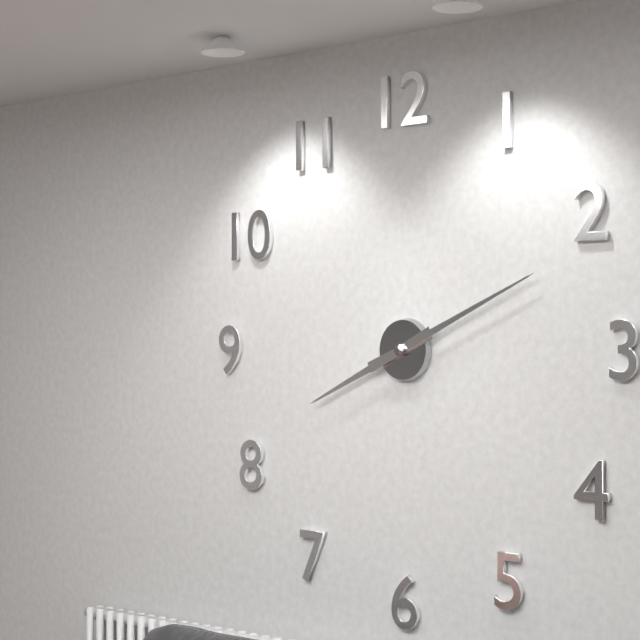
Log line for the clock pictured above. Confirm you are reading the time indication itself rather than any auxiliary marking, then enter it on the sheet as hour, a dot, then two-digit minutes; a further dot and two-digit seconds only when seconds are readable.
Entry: 8.11
